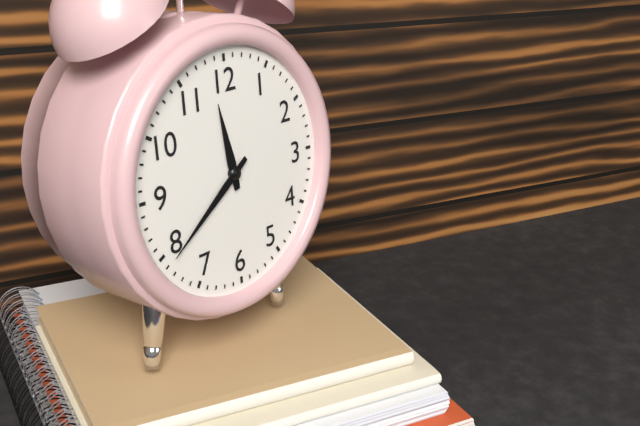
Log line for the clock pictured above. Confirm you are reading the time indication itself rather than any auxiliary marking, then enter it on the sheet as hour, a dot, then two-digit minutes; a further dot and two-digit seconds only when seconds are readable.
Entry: 11.39
